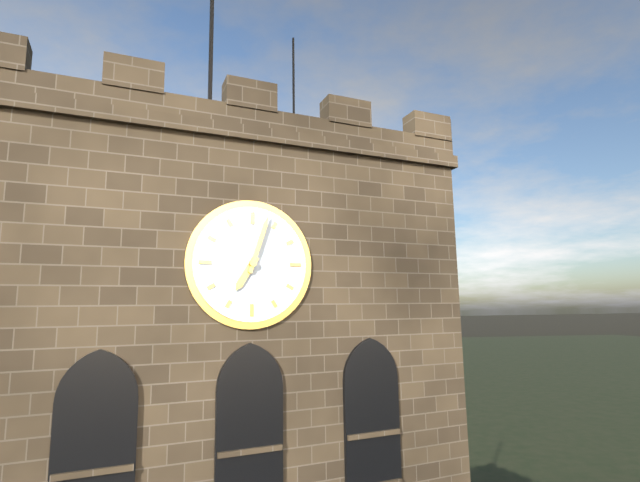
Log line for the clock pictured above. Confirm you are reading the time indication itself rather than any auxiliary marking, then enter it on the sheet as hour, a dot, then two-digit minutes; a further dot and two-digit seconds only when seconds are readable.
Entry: 7.03
